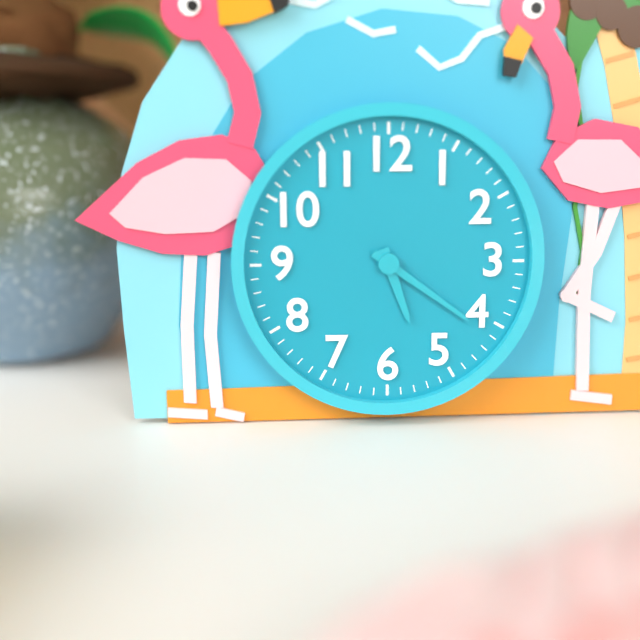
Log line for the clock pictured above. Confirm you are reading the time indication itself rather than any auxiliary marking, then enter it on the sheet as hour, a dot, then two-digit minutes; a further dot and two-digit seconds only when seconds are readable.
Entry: 5.21
